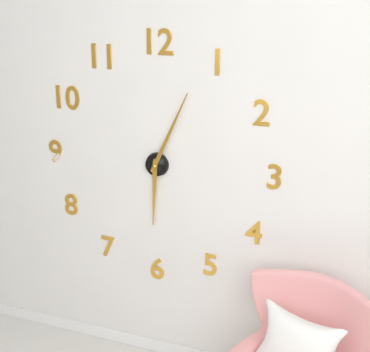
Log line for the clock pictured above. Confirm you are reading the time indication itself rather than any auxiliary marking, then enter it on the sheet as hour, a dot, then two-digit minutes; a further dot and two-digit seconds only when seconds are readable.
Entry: 6.04
